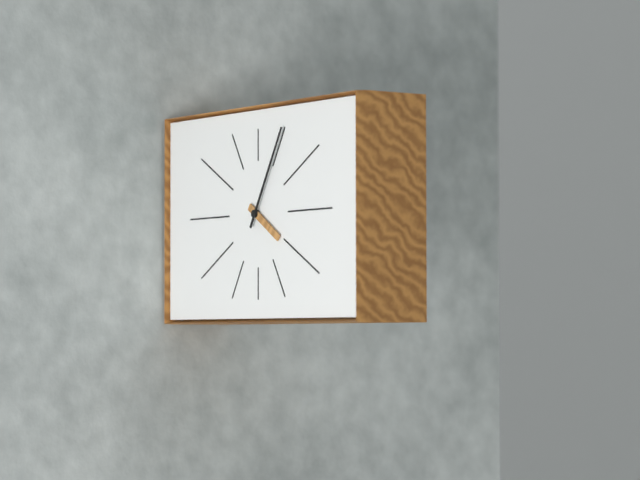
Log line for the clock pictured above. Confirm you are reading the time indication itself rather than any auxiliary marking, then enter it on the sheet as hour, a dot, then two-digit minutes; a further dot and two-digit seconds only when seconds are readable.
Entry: 4.05
